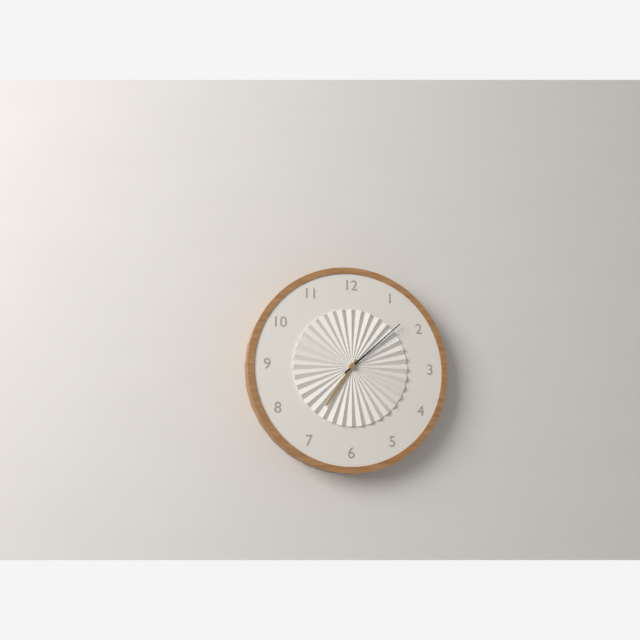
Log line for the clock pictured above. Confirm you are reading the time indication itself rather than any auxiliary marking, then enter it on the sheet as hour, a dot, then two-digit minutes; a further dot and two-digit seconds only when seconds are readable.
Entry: 7.08
